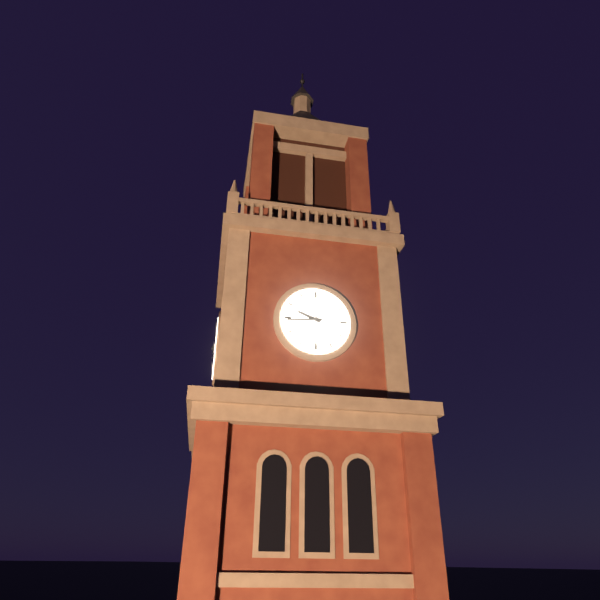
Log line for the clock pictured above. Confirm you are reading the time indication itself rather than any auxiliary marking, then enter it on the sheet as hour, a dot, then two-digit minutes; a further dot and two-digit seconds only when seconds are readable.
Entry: 9.44
